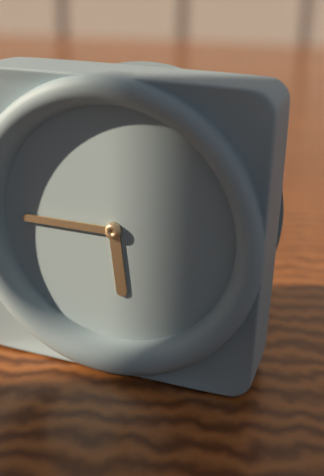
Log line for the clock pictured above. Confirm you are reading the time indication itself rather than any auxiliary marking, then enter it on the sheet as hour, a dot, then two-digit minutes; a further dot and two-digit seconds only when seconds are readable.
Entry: 5.45
